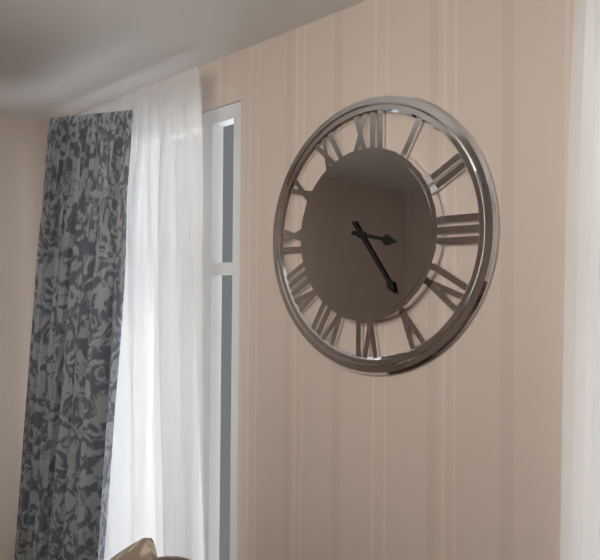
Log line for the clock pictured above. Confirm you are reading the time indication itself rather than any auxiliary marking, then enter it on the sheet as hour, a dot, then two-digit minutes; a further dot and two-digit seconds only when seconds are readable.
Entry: 3.24
